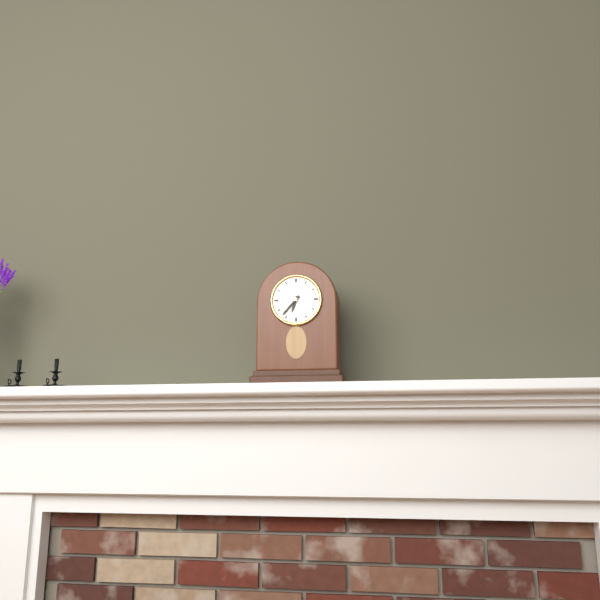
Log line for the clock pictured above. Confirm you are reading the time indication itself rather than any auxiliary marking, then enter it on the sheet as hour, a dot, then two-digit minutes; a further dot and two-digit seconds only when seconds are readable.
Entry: 6.37
